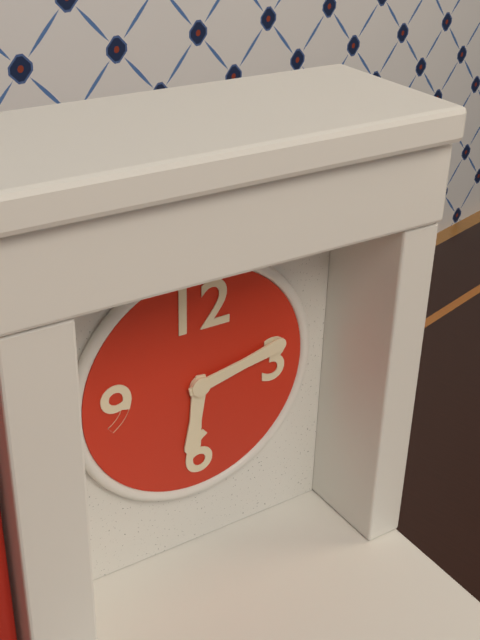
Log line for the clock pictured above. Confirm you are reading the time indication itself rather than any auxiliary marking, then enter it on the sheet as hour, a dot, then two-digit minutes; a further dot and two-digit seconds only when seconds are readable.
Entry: 6.13
